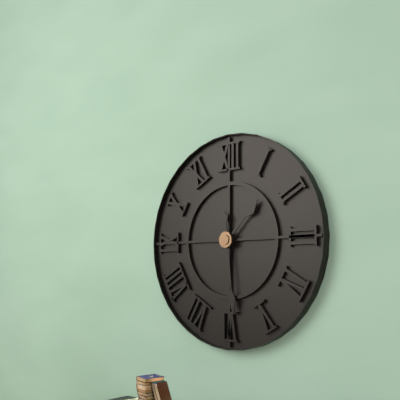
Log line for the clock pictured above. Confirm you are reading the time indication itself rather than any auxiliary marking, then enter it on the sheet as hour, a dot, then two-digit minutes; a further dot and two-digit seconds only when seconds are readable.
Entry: 1.29
